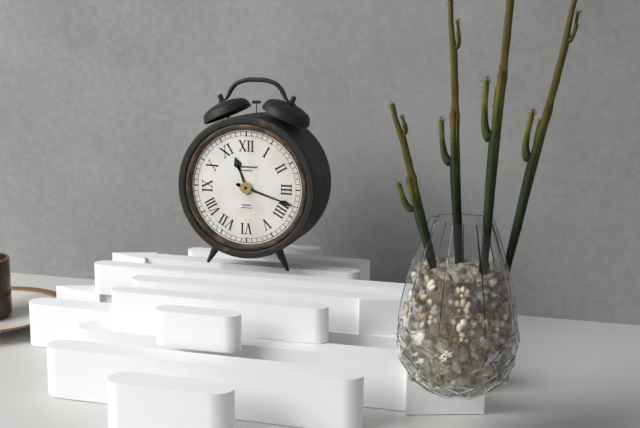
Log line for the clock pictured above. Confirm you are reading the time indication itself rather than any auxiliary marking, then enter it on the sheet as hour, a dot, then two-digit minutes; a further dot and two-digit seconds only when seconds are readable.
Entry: 11.18
